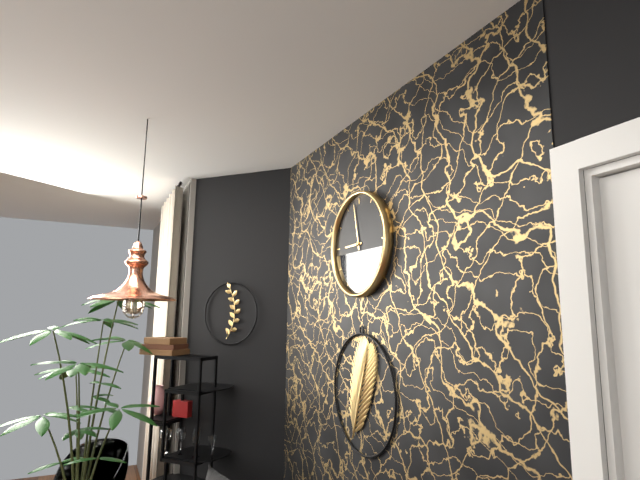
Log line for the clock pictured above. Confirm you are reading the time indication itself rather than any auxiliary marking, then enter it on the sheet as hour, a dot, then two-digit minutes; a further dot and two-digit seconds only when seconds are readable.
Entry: 8.58
